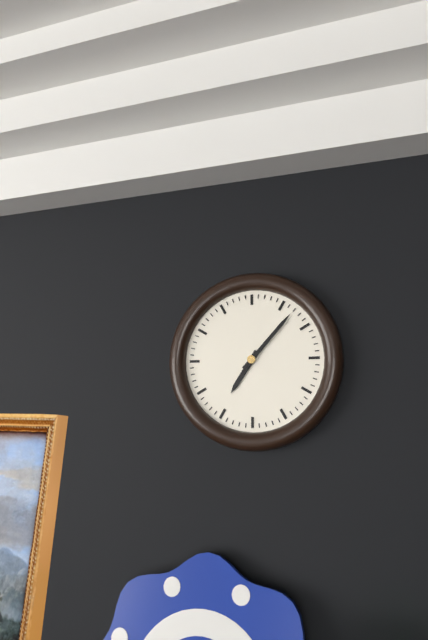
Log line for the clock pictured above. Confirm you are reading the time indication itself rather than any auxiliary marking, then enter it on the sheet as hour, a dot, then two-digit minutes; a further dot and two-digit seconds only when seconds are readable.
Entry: 7.07
